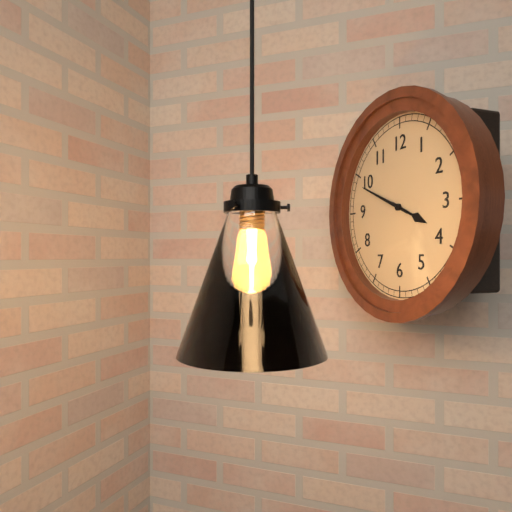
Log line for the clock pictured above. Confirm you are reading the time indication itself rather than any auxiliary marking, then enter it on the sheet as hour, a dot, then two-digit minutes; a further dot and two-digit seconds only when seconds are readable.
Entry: 3.49
